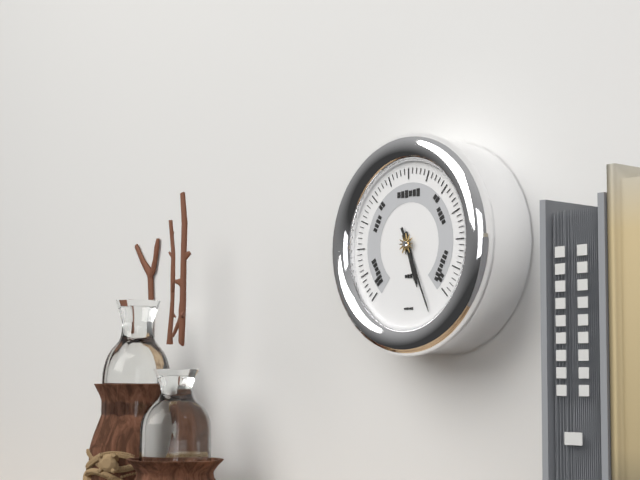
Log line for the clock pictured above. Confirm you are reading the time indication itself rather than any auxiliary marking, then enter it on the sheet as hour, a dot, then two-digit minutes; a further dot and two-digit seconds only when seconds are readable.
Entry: 5.26
